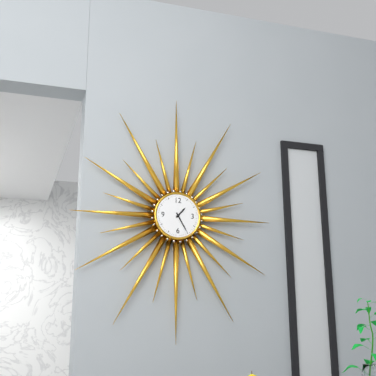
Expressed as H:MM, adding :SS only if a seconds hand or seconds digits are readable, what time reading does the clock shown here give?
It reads 1:25
